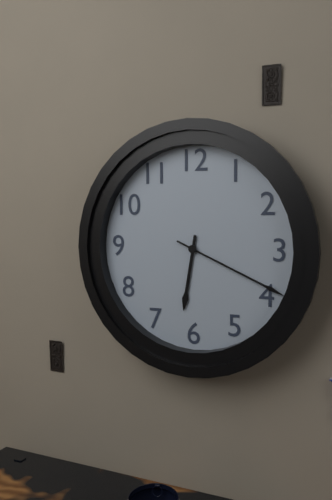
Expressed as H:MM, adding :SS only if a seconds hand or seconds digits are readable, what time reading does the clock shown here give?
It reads 6:19
